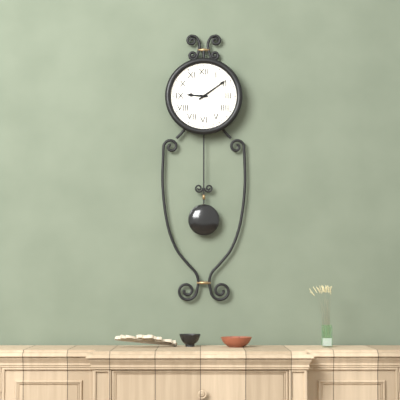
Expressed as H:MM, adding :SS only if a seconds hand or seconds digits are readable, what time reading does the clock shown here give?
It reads 9:09
